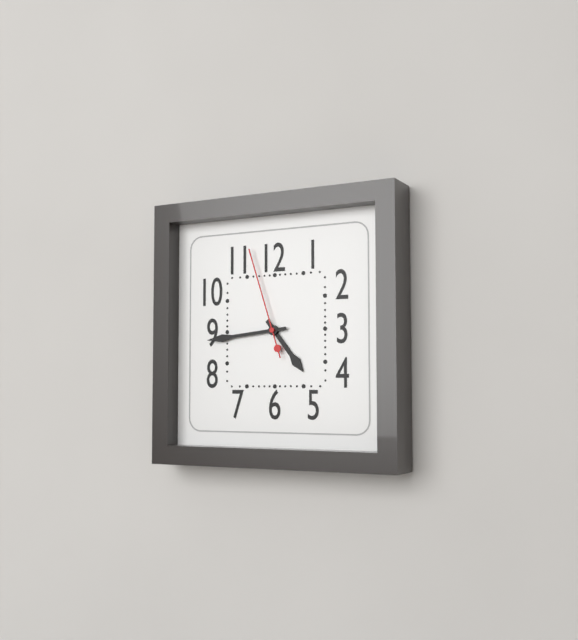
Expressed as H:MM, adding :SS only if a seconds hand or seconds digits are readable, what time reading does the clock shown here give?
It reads 4:44:57
